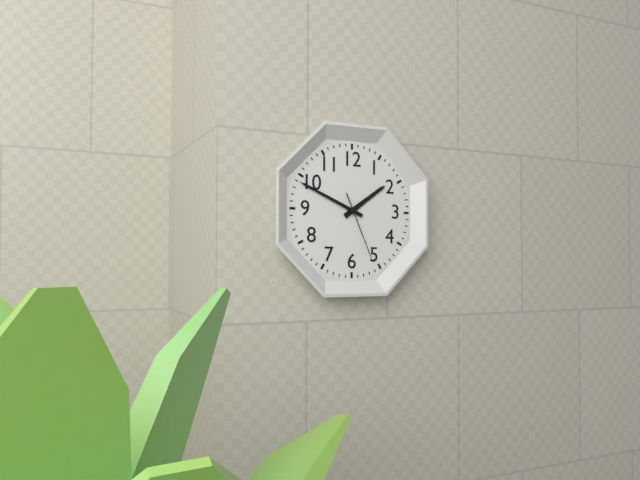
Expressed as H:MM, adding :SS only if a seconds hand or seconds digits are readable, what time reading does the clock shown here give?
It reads 1:49:26
